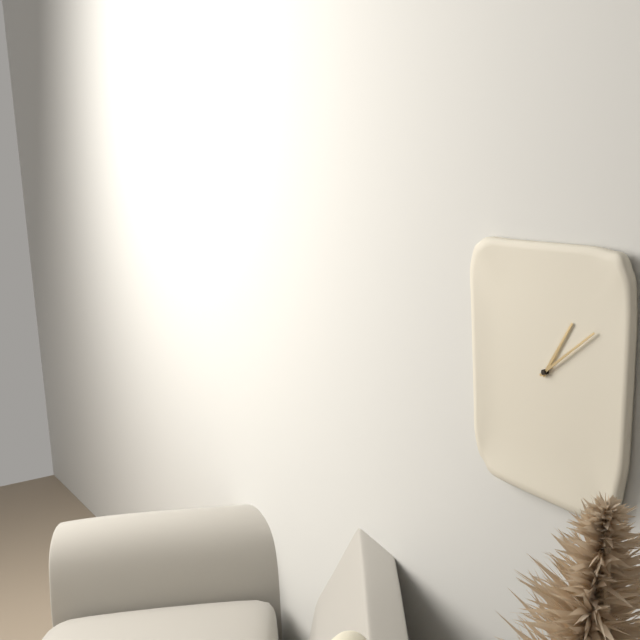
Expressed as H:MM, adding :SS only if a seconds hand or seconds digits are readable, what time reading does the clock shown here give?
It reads 1:09
